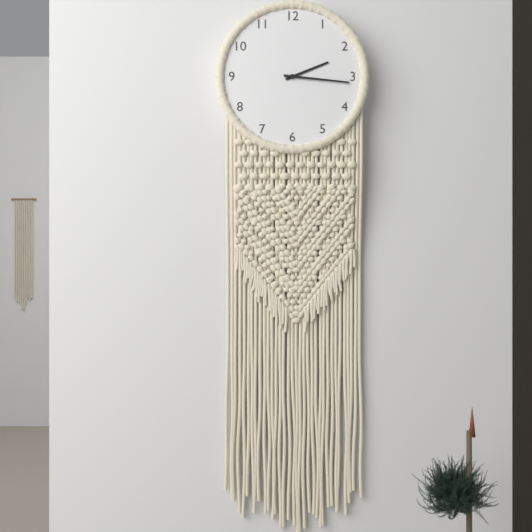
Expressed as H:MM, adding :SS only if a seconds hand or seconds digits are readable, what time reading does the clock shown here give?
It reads 2:16
